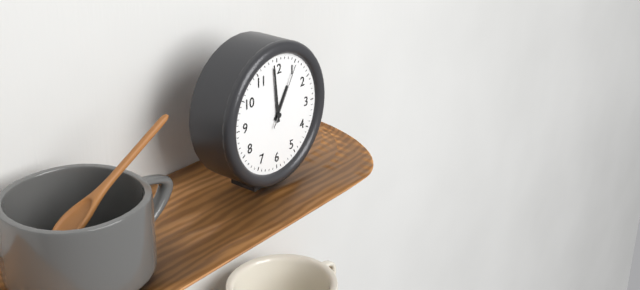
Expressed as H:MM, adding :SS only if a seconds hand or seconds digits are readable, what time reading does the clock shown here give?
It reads 12:59:05
